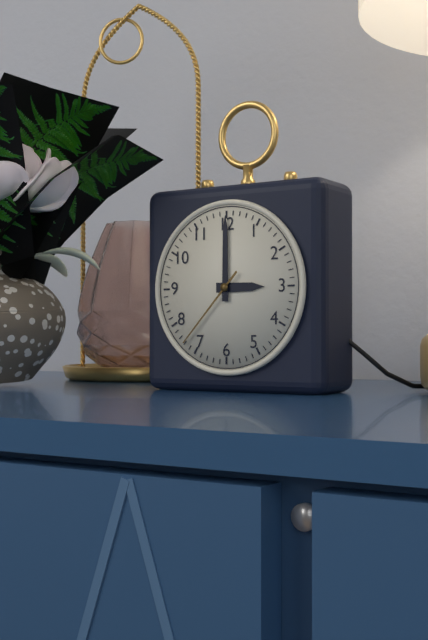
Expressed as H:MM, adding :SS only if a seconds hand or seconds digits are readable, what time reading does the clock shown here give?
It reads 3:00:37
